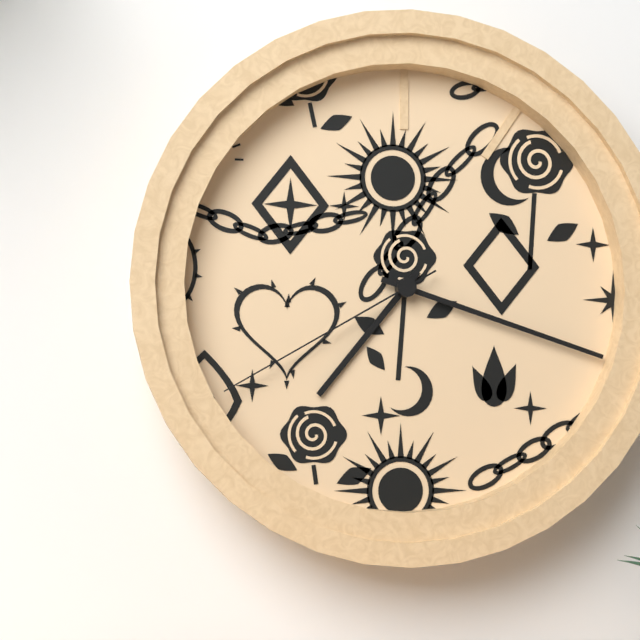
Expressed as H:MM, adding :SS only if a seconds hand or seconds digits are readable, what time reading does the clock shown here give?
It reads 7:18:40
